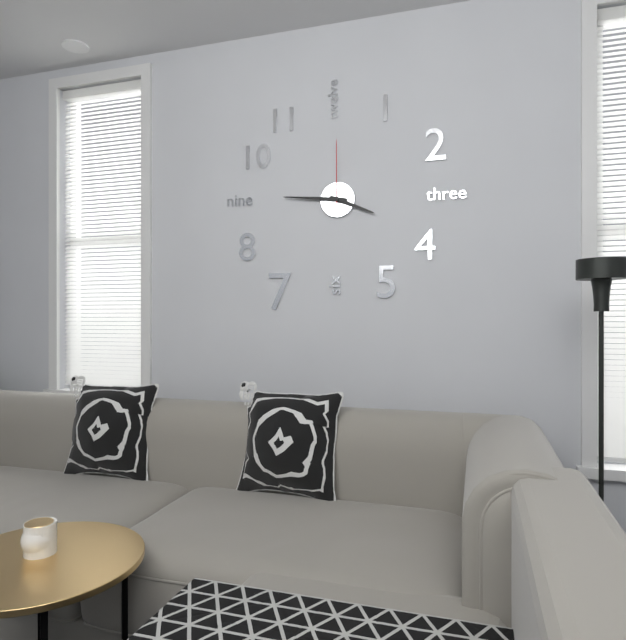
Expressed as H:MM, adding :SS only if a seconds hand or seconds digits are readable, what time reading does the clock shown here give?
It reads 3:46:00
